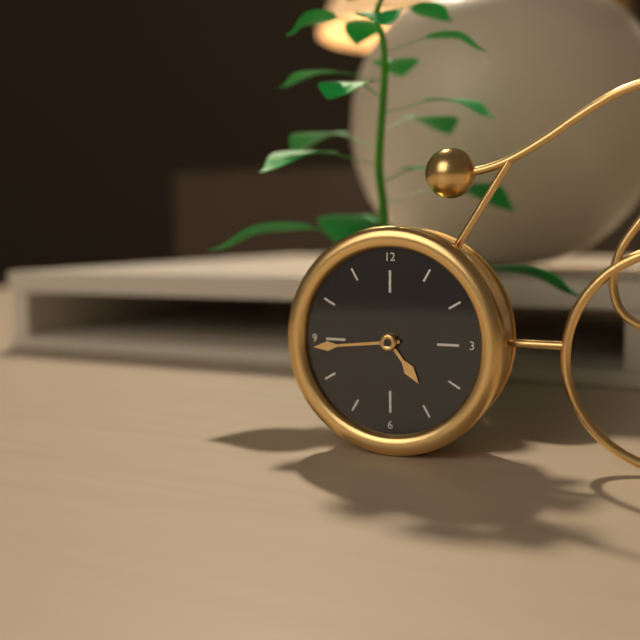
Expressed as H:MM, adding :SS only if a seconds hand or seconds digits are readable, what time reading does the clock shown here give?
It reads 4:44
